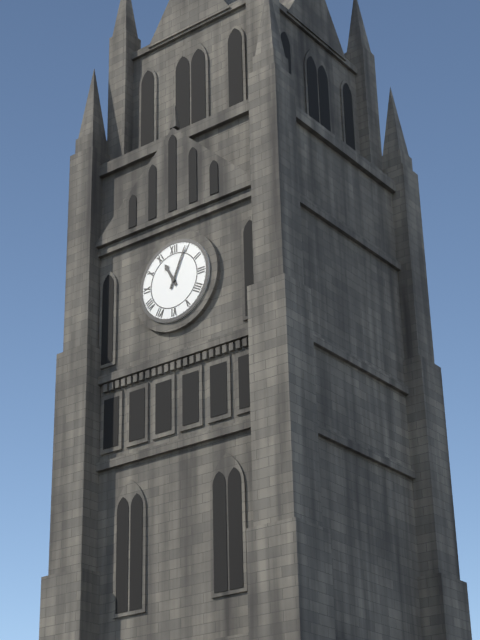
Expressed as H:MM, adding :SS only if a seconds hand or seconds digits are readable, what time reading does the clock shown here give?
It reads 11:04
